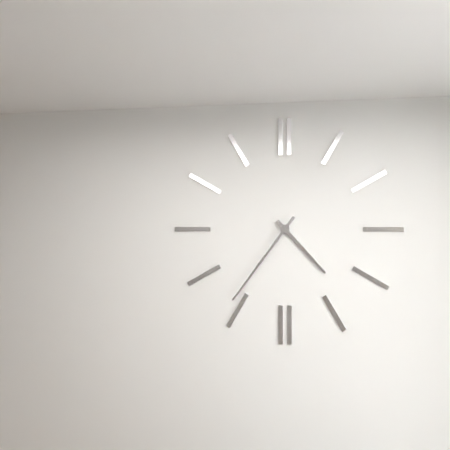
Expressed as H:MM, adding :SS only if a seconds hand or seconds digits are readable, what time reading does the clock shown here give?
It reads 4:36
